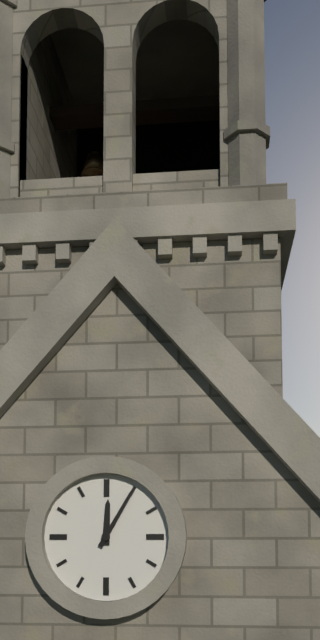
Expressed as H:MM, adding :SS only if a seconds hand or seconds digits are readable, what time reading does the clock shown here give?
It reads 12:05
